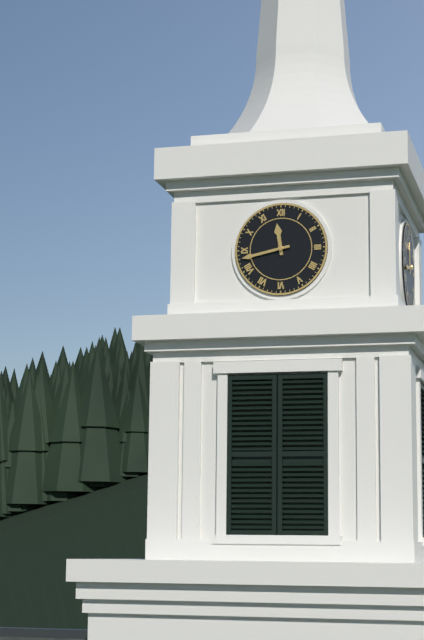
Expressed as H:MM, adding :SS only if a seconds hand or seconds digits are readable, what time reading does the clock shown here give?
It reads 11:43
